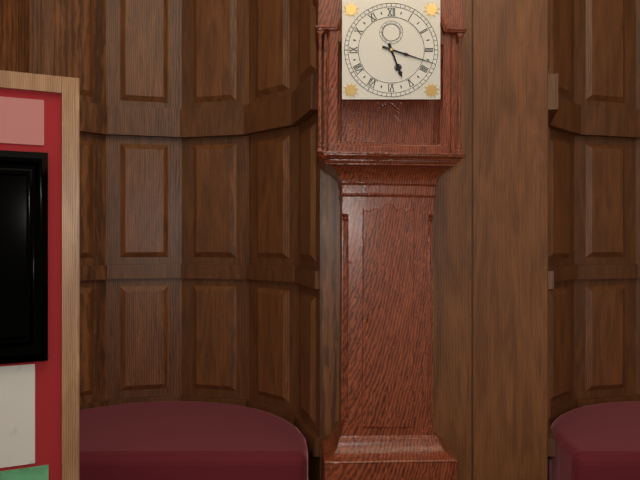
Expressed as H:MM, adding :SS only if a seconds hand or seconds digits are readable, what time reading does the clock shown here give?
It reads 5:18
